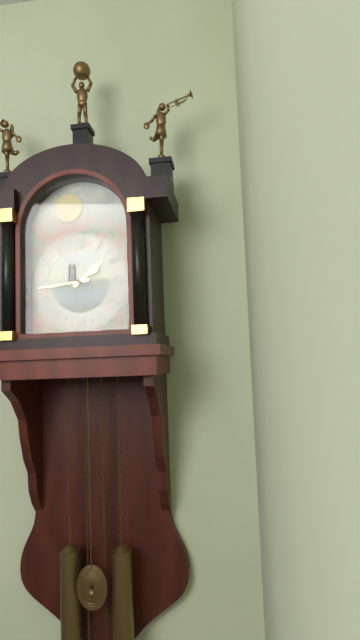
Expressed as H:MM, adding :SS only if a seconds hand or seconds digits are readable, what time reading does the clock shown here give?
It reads 1:44
